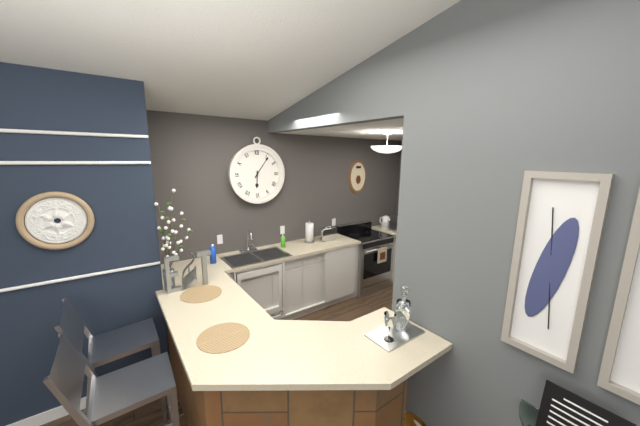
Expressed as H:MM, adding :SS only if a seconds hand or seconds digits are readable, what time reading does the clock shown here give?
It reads 6:06
